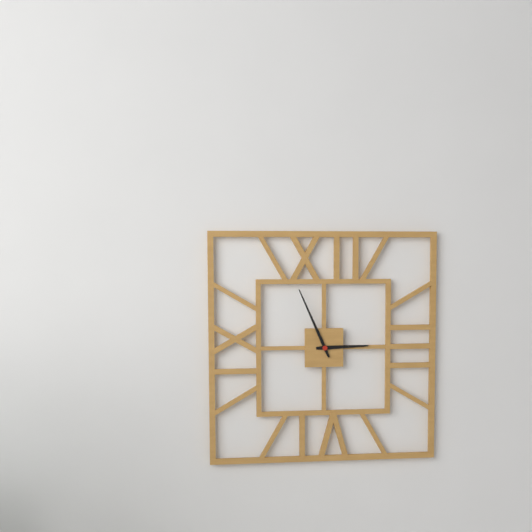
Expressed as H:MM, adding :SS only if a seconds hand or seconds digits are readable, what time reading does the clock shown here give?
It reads 2:56
